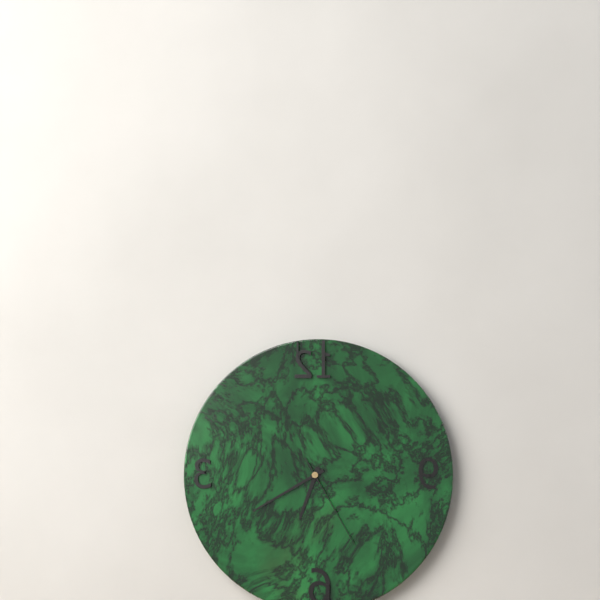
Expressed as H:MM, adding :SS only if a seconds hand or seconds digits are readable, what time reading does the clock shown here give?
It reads 6:40:25
